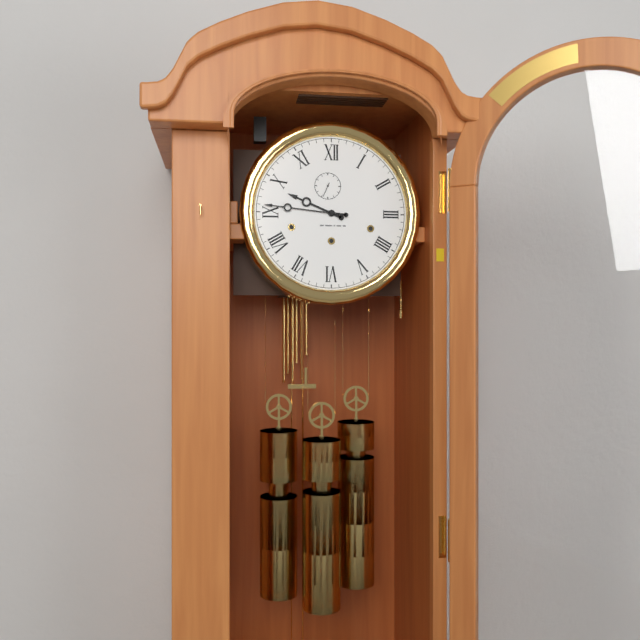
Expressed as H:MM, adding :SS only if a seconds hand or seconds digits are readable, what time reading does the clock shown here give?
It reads 9:46
